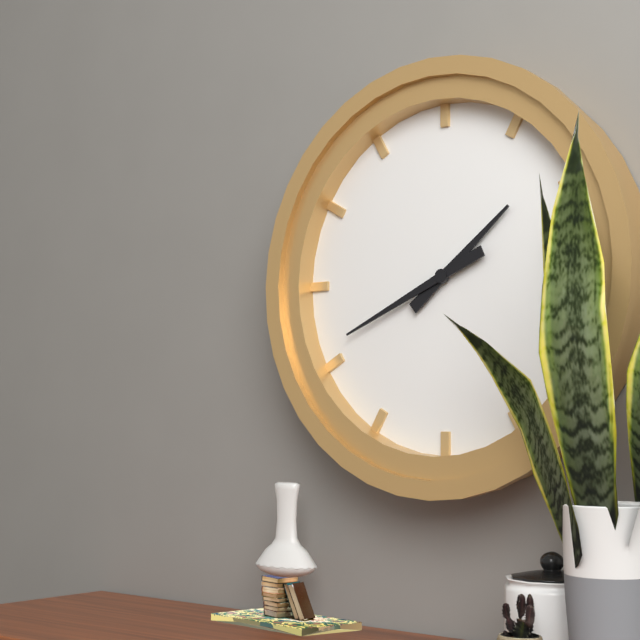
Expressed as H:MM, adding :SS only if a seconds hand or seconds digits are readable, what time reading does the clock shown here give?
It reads 1:41
